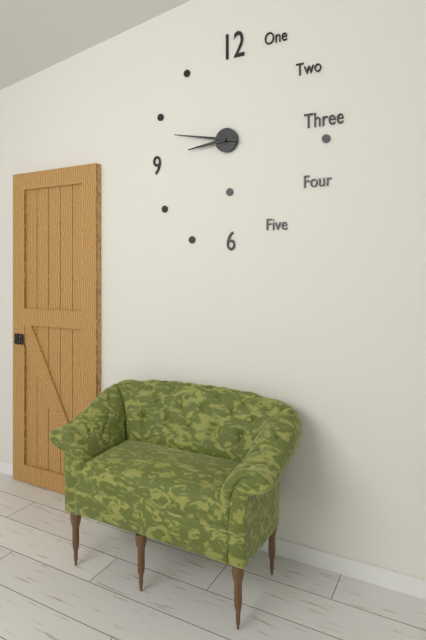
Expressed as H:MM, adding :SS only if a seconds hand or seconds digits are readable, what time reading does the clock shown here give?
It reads 8:47
